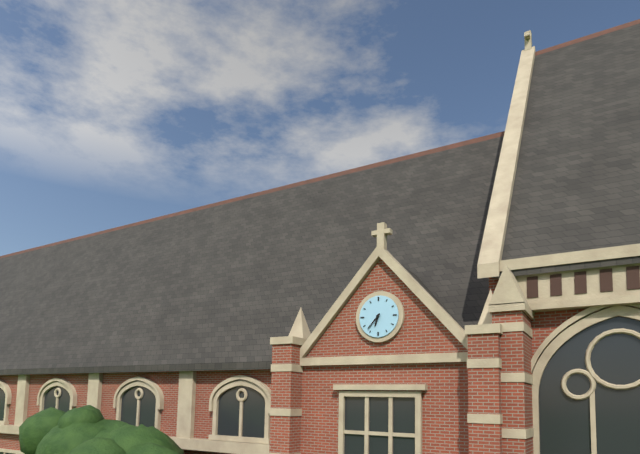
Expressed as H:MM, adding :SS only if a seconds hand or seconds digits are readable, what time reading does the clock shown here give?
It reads 6:37
